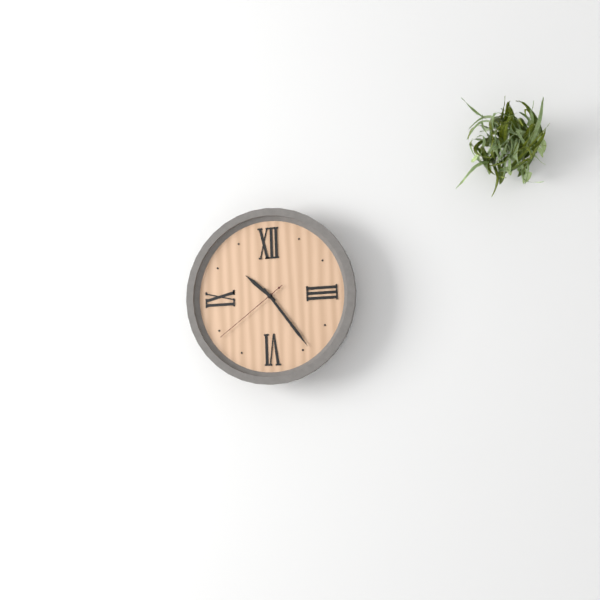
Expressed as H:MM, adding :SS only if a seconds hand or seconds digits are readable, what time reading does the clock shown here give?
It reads 10:24:39
